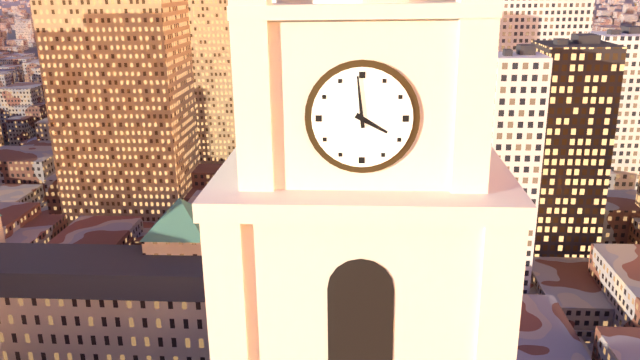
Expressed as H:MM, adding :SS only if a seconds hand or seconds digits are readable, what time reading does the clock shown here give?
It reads 3:59
